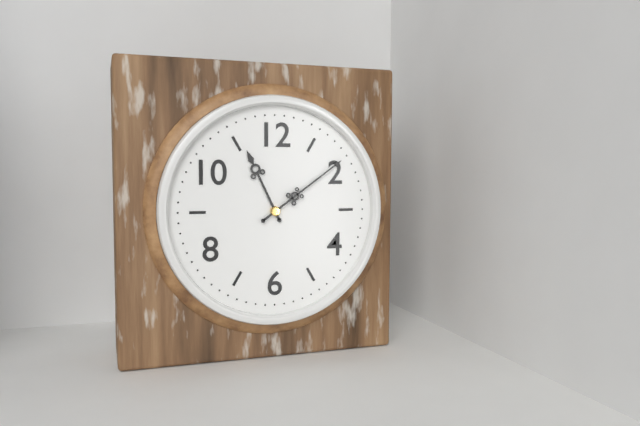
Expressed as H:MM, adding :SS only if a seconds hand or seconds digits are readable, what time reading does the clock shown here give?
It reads 11:09
